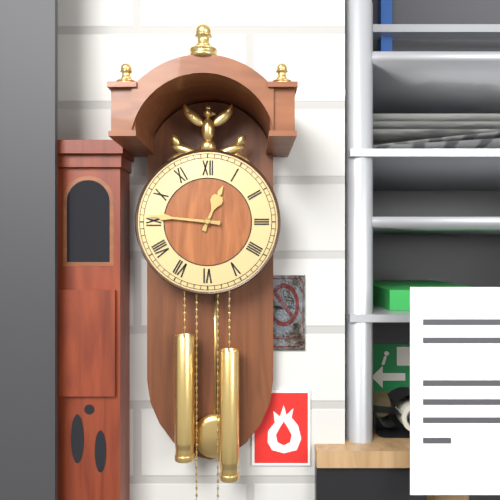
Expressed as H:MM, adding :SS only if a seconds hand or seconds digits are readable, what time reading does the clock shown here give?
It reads 12:46
